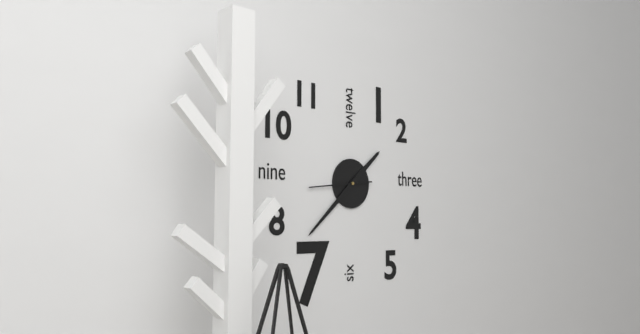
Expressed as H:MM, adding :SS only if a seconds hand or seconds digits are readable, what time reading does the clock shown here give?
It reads 1:38:44
